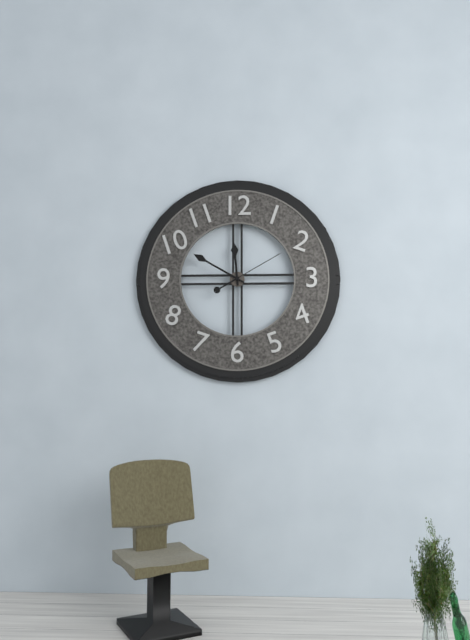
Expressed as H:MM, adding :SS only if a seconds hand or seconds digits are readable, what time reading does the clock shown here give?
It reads 11:50:10
